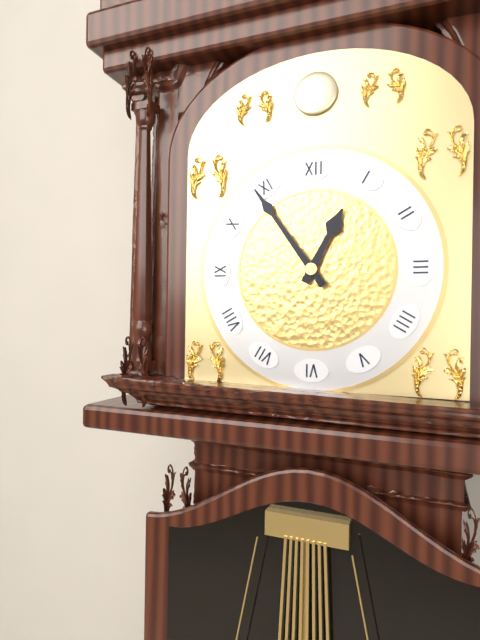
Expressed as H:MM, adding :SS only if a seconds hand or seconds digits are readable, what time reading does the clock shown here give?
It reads 12:54
